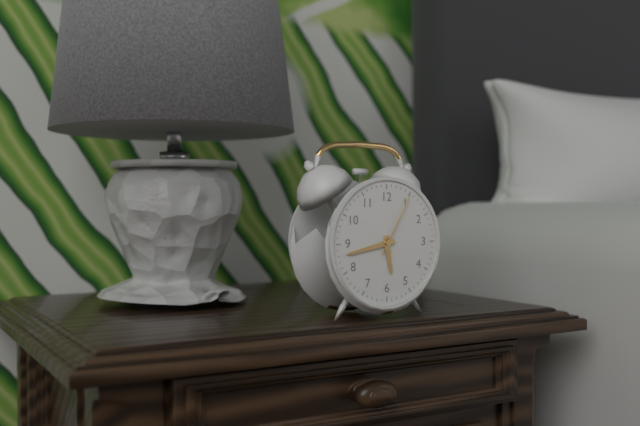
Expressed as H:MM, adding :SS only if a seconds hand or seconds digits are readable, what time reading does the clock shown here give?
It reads 5:43:05
